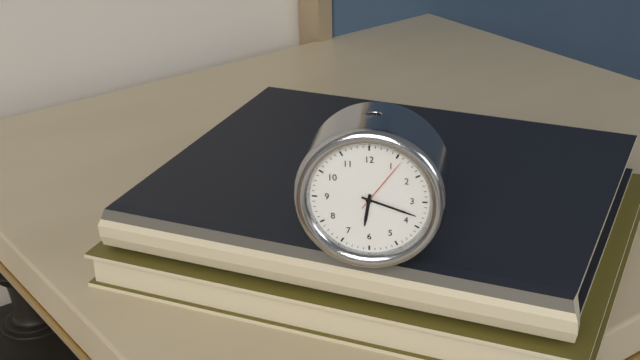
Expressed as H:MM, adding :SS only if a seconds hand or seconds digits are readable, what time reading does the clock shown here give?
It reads 6:18:06
